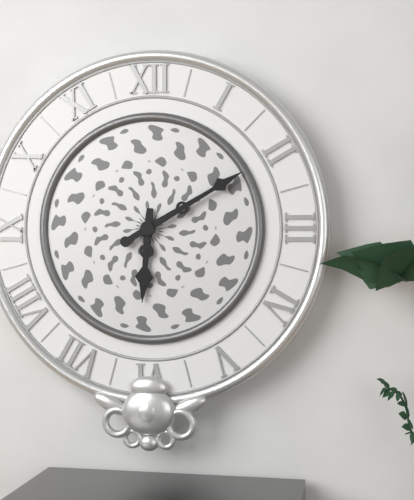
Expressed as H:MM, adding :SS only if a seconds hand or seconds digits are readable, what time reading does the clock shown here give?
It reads 6:10
